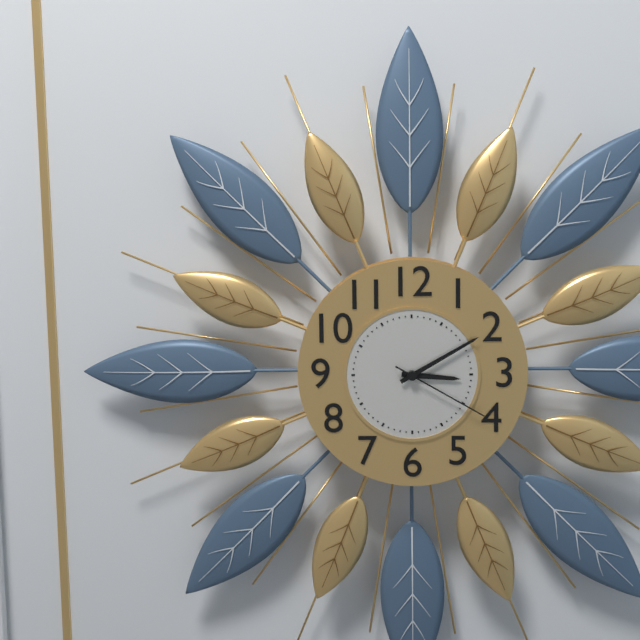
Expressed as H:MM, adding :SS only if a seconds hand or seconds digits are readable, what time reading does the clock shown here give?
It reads 3:10:20
